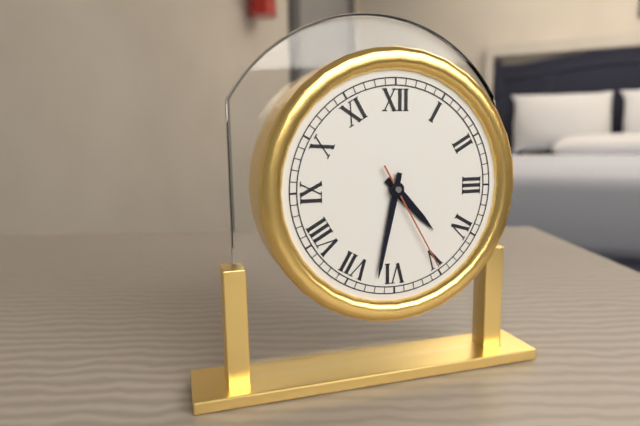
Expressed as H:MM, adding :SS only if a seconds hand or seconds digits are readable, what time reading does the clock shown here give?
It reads 4:32:25
